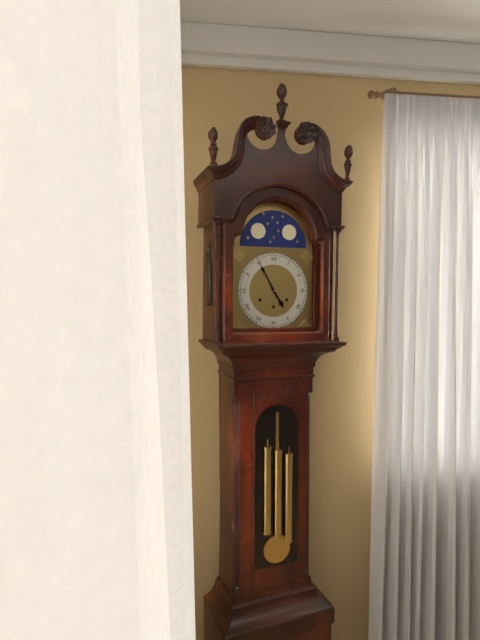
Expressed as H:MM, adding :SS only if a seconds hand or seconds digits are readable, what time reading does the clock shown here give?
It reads 4:55
